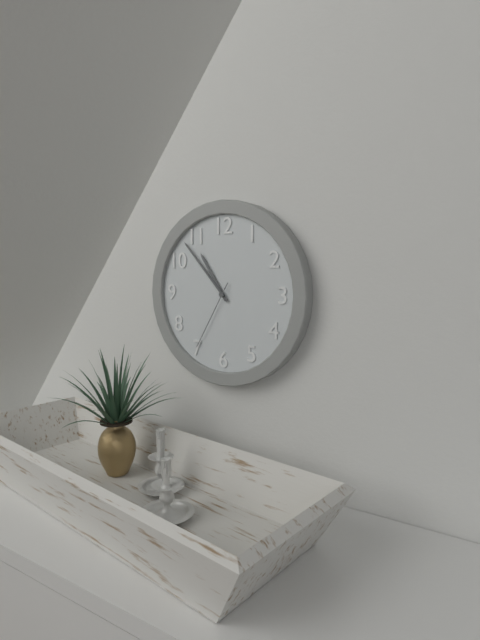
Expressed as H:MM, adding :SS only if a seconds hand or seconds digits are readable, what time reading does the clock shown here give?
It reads 10:53:35
